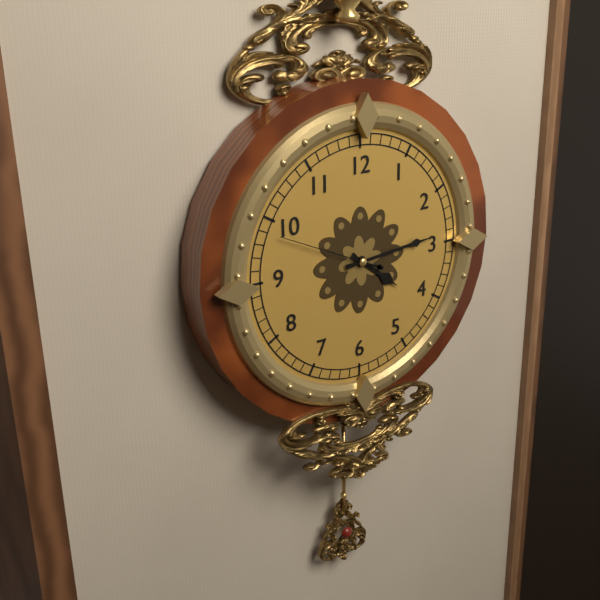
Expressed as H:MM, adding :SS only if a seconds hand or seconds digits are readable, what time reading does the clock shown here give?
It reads 4:14:49
